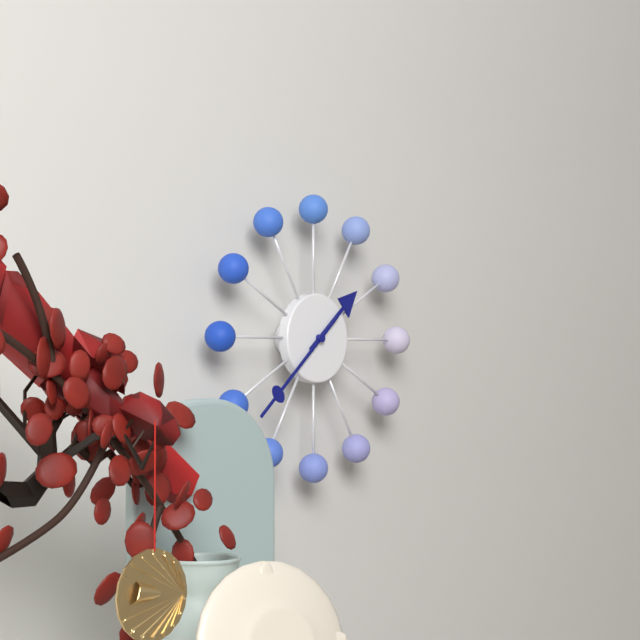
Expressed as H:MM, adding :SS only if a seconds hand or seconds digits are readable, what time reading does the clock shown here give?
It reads 1:38
